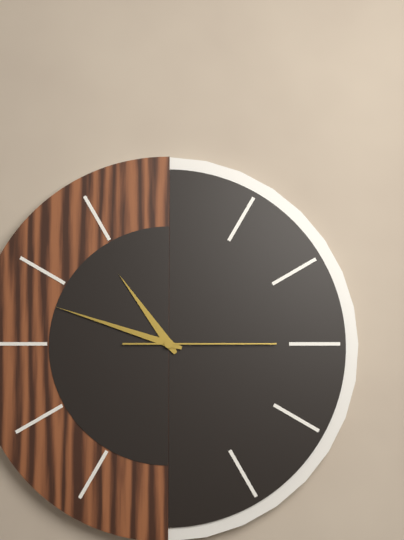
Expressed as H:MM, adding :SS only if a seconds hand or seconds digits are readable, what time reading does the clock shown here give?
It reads 10:48:15
